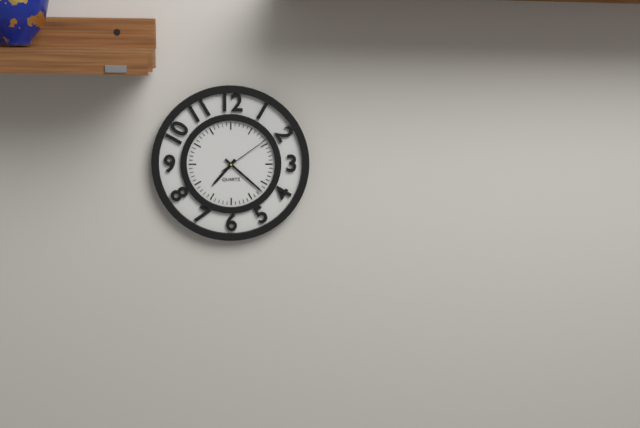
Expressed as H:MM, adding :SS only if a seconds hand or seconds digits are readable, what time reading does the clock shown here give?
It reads 7:22:09
